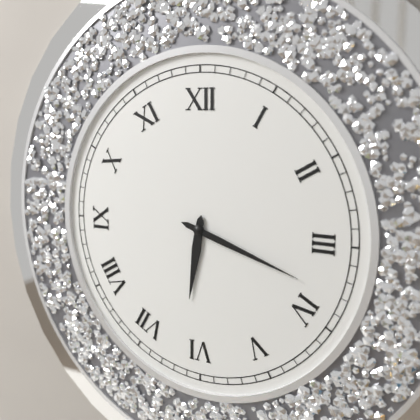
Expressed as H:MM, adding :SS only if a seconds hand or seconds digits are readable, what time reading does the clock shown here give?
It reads 6:18
